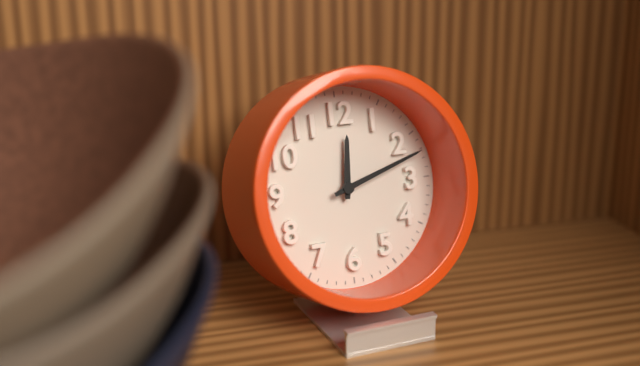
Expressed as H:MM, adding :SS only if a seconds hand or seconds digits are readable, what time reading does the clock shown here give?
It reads 12:12
